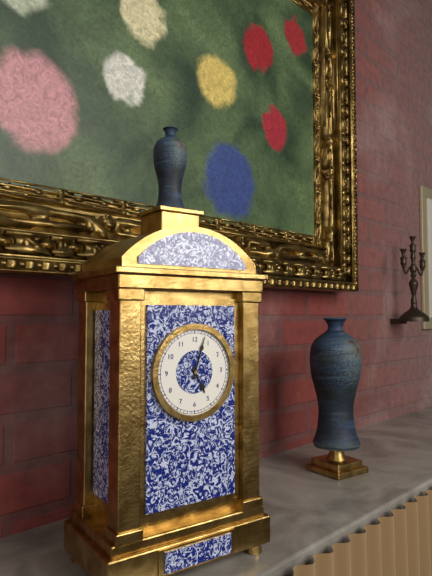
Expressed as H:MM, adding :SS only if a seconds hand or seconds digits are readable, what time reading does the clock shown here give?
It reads 5:03
